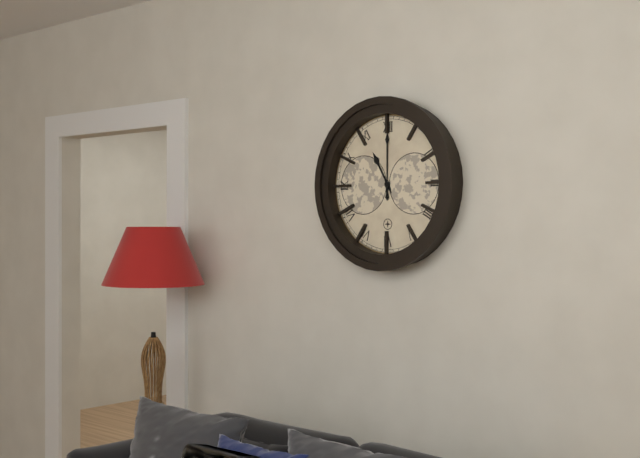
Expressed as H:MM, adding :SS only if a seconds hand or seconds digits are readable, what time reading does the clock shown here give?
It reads 11:00
